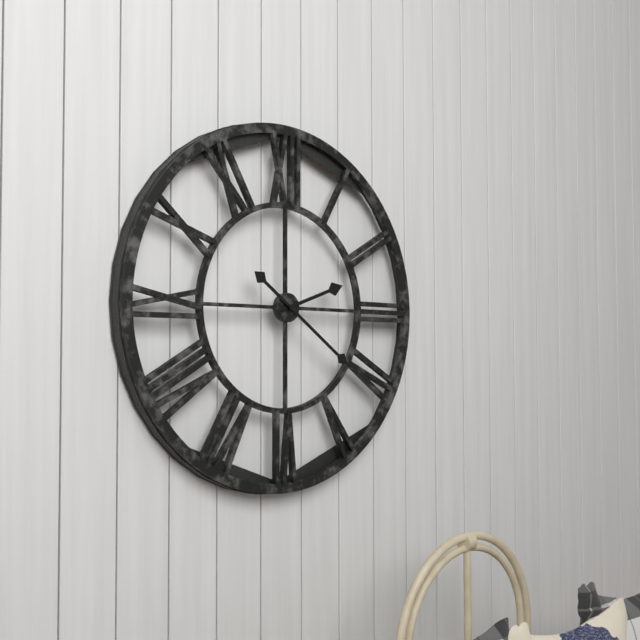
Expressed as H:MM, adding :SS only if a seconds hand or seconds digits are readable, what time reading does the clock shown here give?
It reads 2:21
